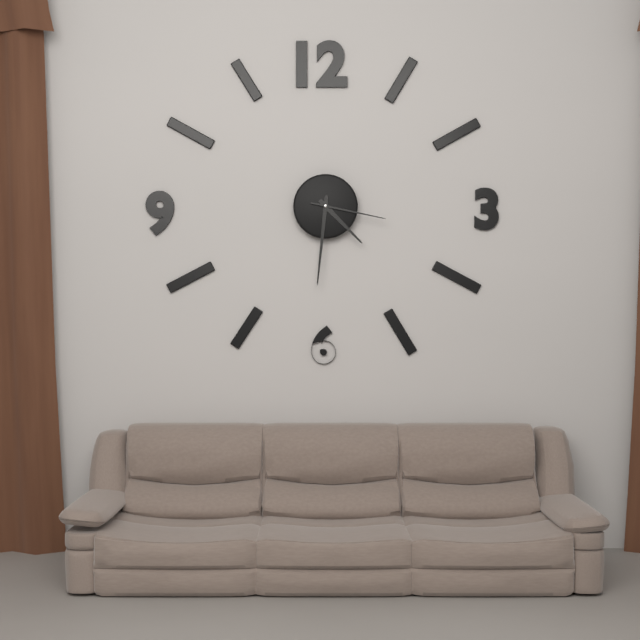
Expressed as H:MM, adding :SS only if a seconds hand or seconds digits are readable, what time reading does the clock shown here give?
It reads 4:31:17
